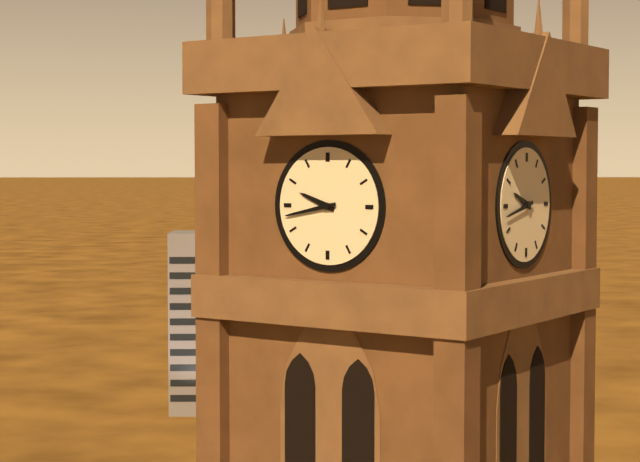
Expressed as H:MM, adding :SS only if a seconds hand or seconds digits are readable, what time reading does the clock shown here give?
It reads 9:43
